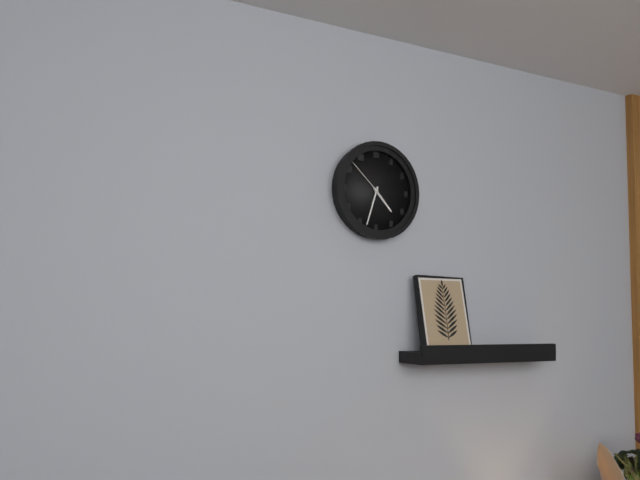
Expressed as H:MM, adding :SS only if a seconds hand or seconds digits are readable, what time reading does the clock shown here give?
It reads 4:33:52
